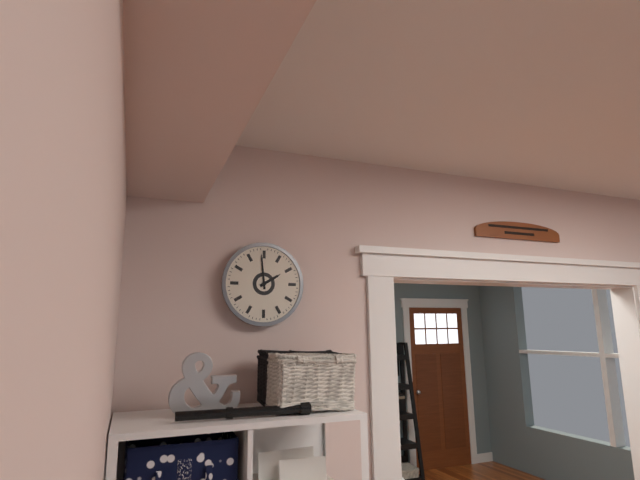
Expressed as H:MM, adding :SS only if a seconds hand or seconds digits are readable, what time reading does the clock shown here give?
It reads 1:59
